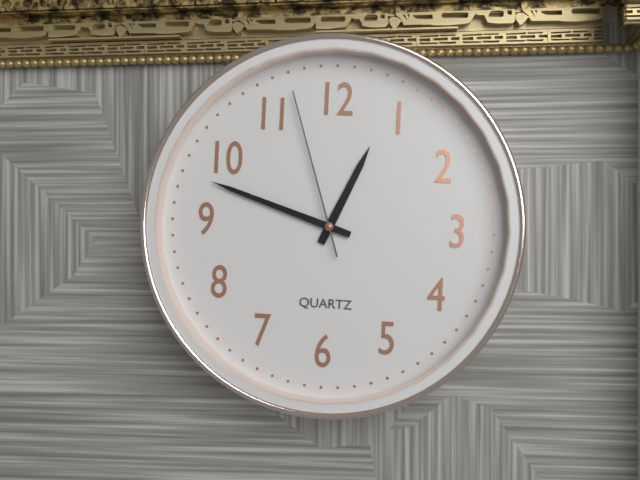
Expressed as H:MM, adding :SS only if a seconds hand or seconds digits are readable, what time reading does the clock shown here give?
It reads 12:48:57
